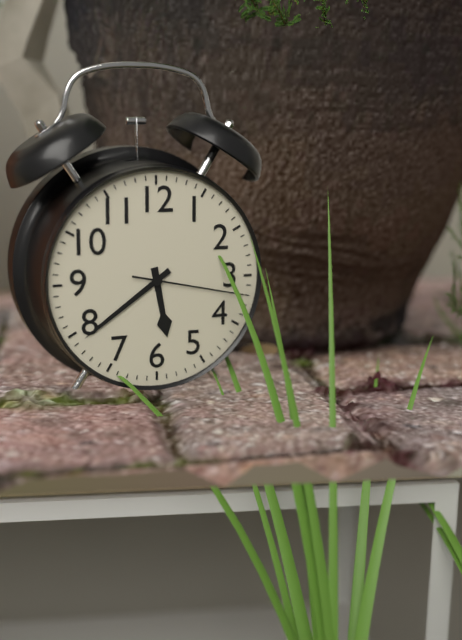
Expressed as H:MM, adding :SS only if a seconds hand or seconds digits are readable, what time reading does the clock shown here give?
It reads 5:39:17
